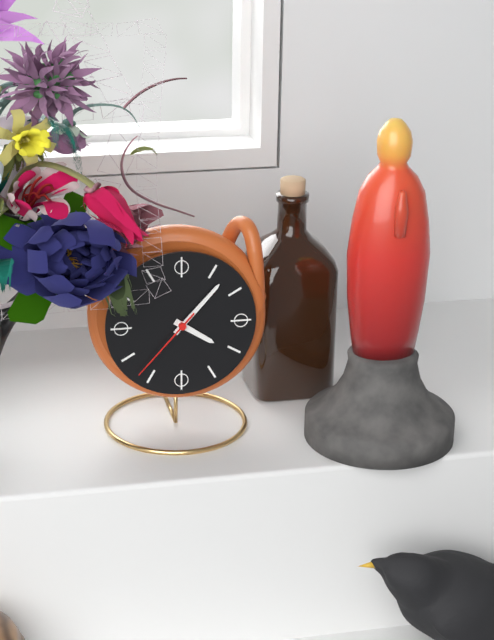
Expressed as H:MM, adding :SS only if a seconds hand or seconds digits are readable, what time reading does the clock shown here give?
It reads 4:07:37
